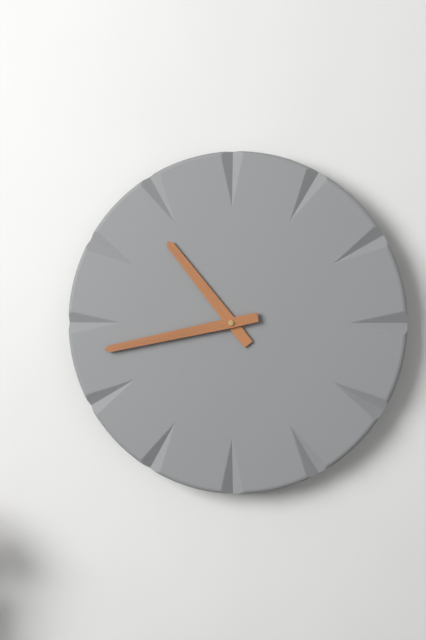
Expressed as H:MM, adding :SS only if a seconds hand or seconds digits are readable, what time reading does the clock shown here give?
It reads 10:43
